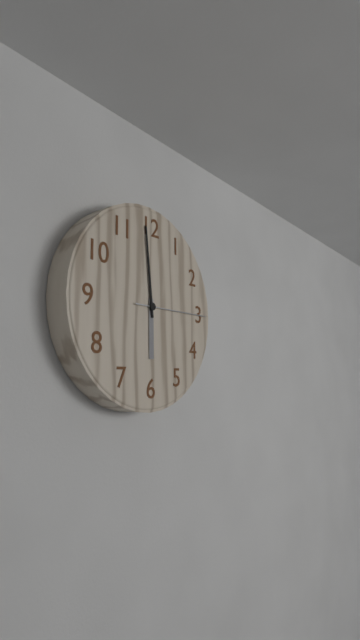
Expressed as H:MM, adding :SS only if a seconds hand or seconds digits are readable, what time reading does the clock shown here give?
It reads 5:59:15
